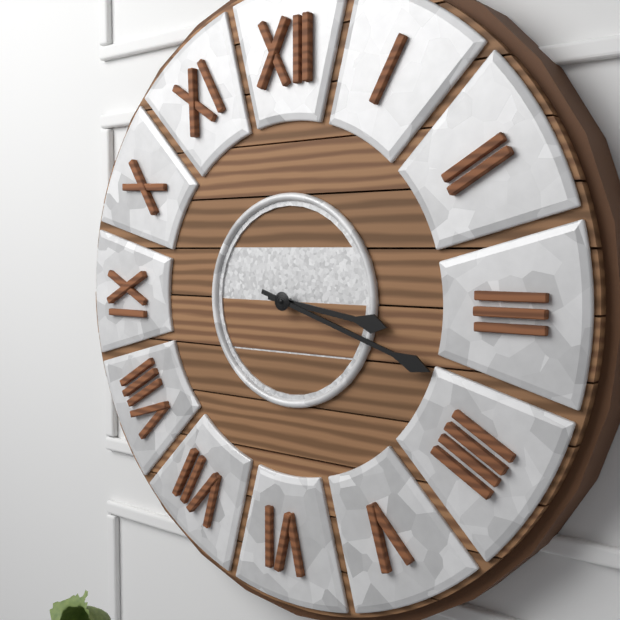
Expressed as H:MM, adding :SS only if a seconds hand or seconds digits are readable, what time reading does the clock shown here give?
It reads 3:18
